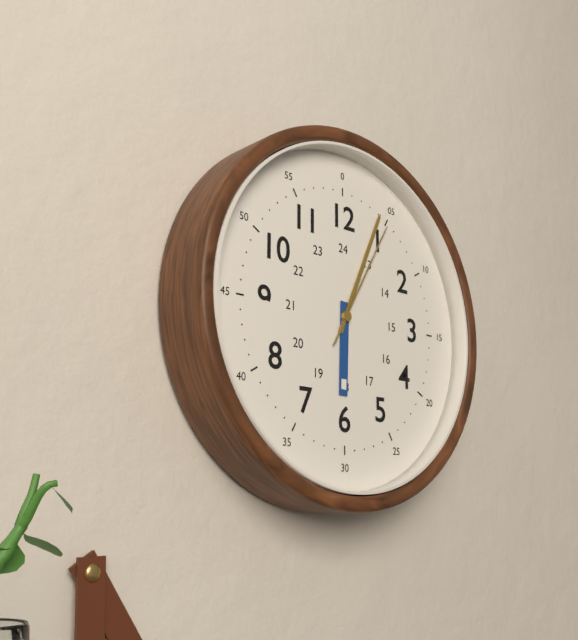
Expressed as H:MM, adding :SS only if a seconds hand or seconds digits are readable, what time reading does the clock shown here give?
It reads 6:04:05
